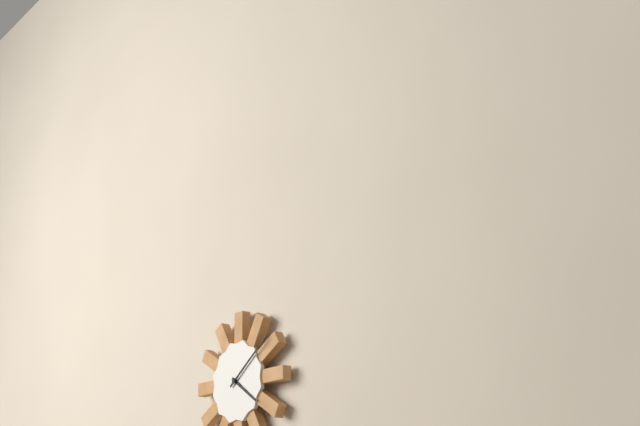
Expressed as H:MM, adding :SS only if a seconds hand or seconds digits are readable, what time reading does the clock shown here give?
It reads 4:09
